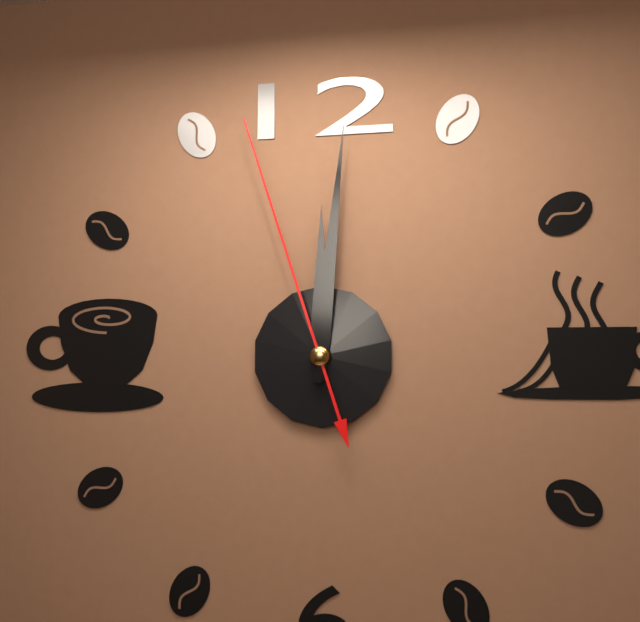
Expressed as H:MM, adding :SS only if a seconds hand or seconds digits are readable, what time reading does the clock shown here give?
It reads 12:01:57
